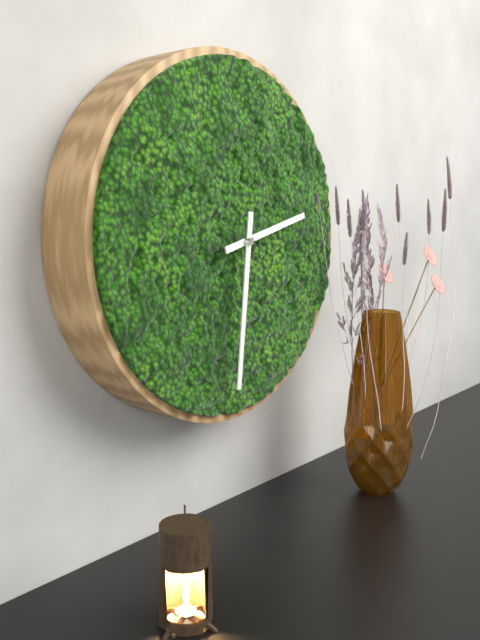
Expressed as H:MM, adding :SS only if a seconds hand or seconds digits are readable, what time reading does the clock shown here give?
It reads 2:31
